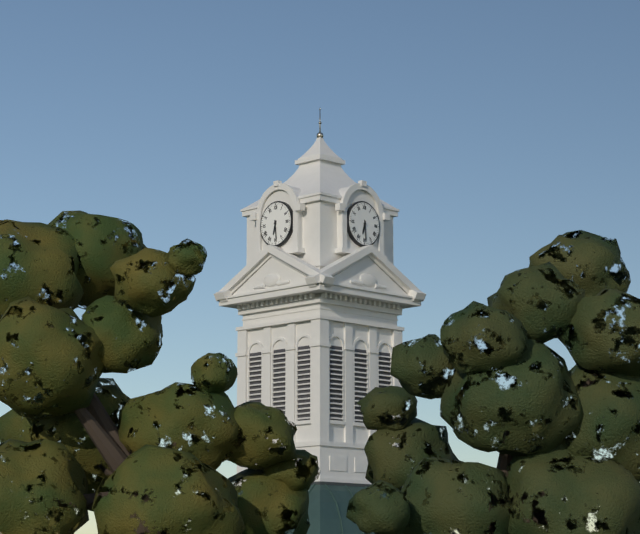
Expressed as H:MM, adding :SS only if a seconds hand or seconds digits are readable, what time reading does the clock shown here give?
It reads 6:29
